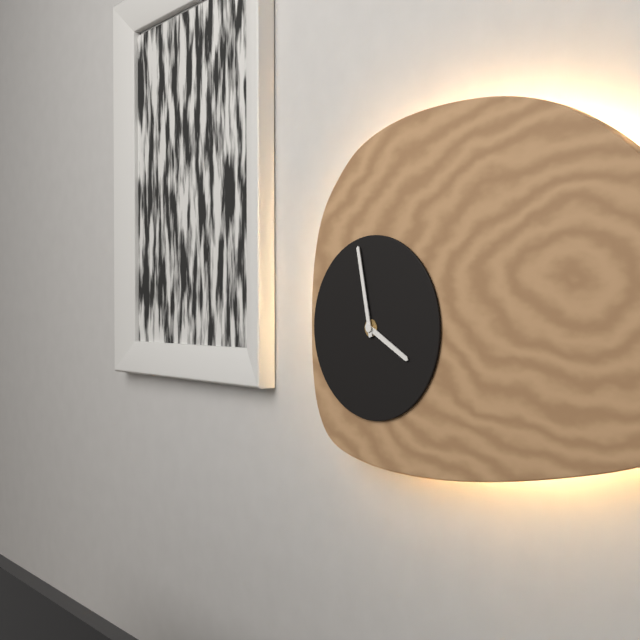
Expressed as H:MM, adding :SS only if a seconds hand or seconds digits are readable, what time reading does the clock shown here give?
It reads 3:58
